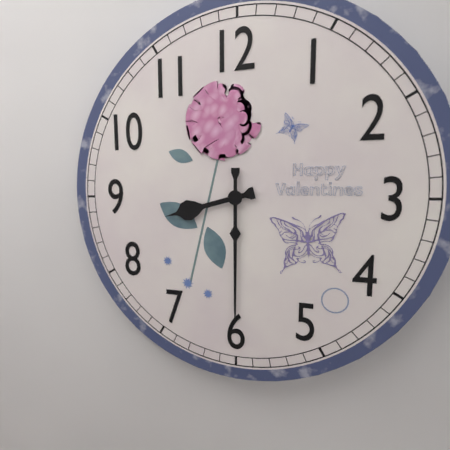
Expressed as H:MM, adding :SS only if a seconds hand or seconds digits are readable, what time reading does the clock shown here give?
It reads 8:30
